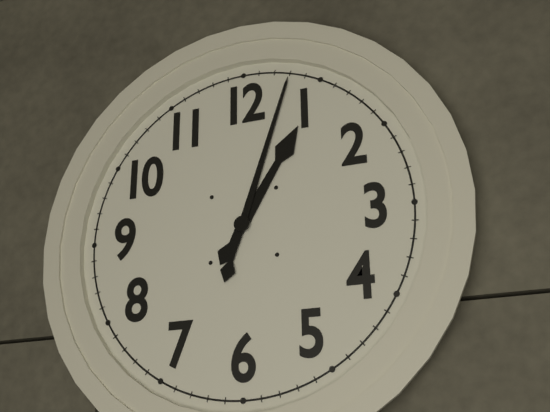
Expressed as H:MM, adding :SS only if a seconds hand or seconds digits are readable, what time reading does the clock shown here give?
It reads 1:03
